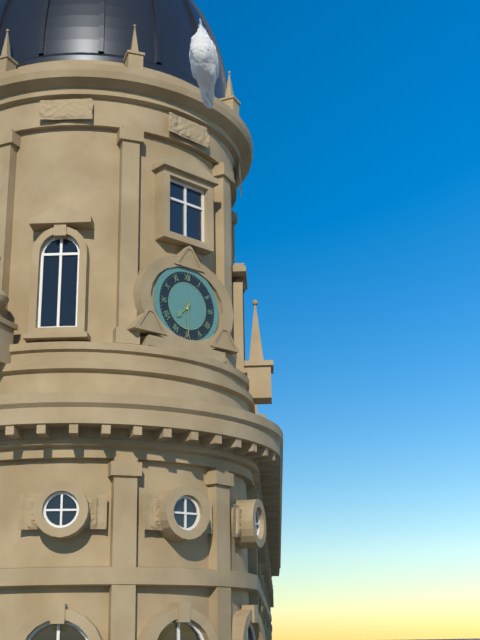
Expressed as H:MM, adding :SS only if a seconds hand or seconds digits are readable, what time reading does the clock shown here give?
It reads 7:30
